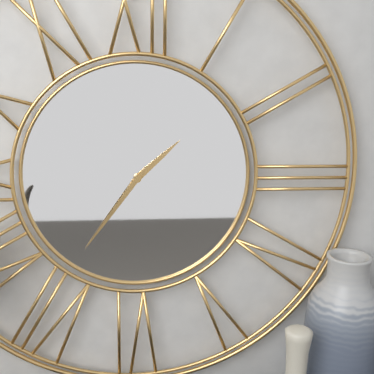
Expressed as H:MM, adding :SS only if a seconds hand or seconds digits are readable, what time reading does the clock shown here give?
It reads 1:36
